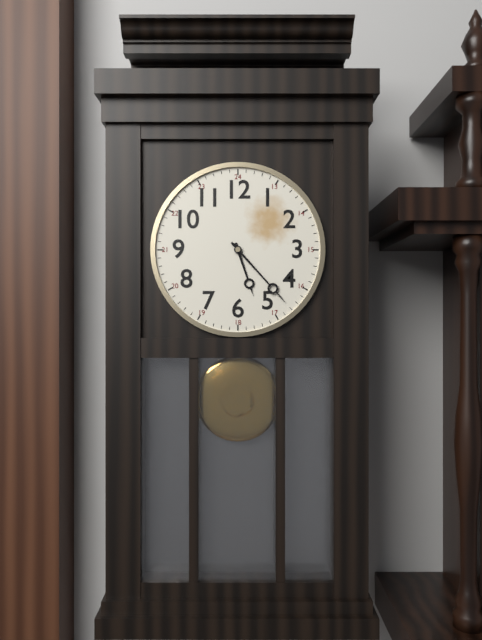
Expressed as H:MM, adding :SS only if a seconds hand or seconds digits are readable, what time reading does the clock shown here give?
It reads 5:23
